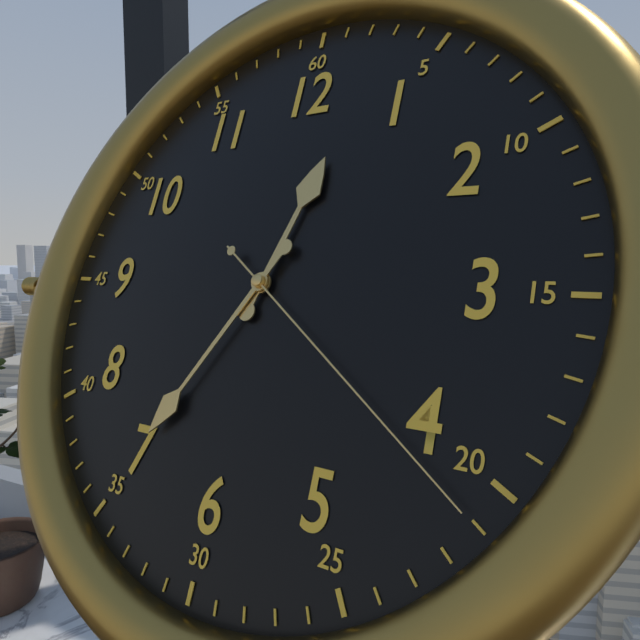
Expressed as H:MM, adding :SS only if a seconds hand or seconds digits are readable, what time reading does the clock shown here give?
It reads 12:35:21
